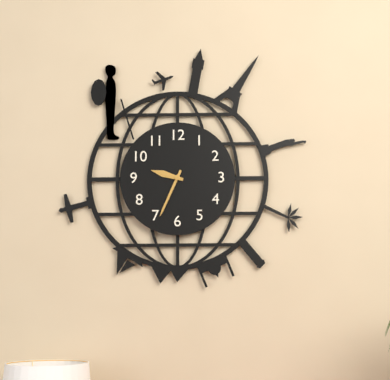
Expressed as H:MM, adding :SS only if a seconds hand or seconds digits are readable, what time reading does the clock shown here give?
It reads 9:34
